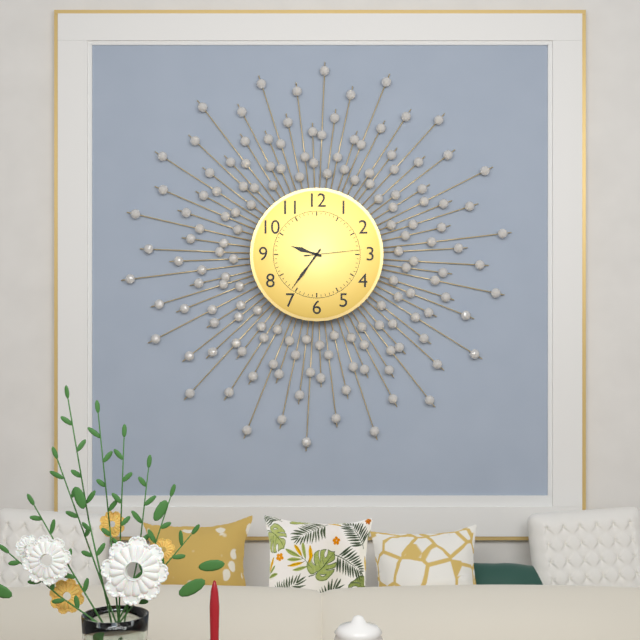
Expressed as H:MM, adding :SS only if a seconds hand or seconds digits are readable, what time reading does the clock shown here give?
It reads 9:36:14
